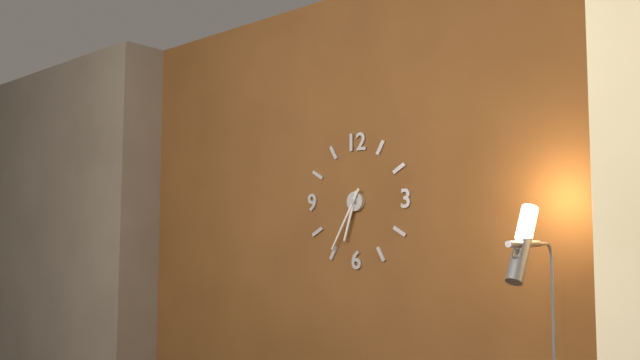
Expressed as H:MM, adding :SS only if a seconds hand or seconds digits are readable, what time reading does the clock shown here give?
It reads 6:35
